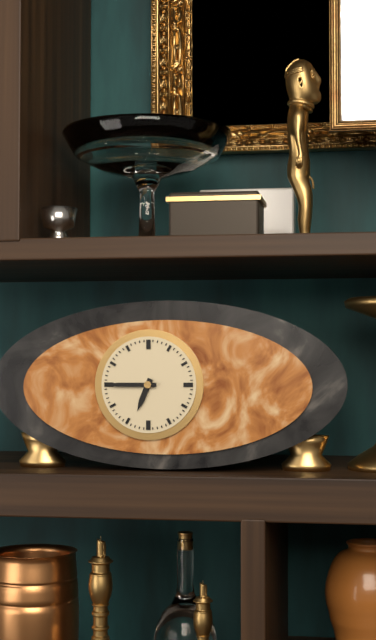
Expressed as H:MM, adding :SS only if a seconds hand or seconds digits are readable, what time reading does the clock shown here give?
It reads 6:45
